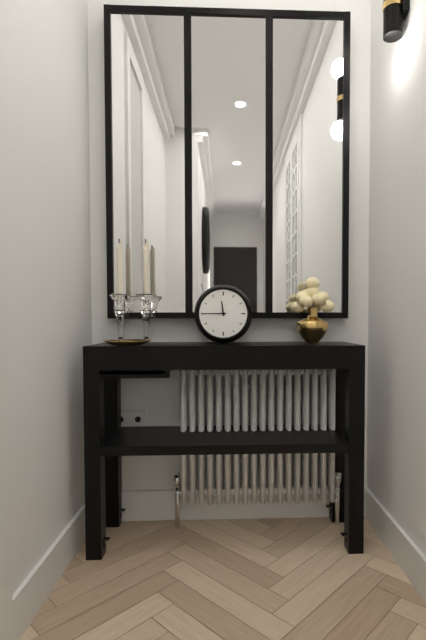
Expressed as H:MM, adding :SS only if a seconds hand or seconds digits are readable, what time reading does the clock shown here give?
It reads 11:45
